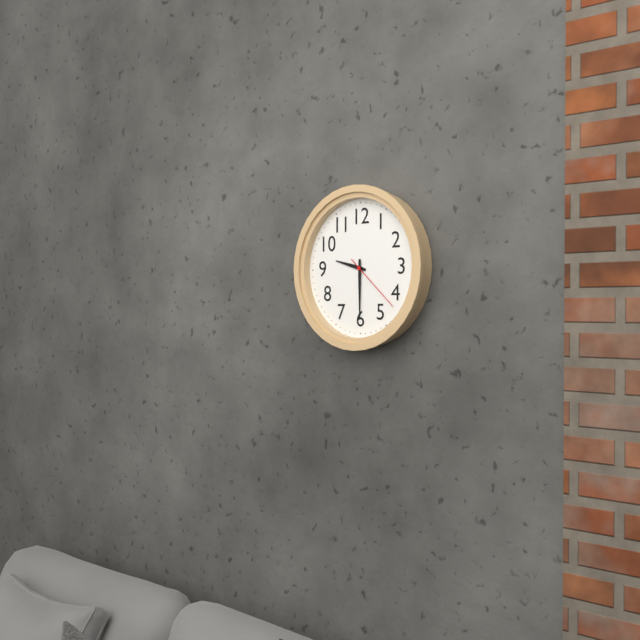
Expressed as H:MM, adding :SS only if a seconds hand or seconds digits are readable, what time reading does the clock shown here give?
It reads 9:30:22
